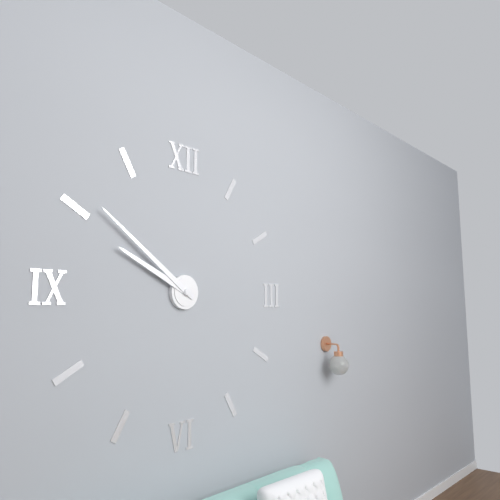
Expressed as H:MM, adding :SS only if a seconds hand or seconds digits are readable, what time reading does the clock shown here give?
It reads 9:51
